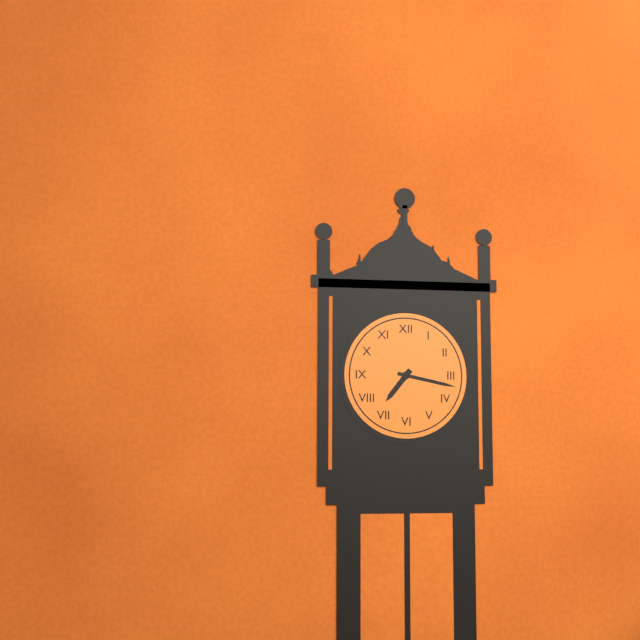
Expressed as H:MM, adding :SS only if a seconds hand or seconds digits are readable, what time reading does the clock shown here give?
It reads 7:17
